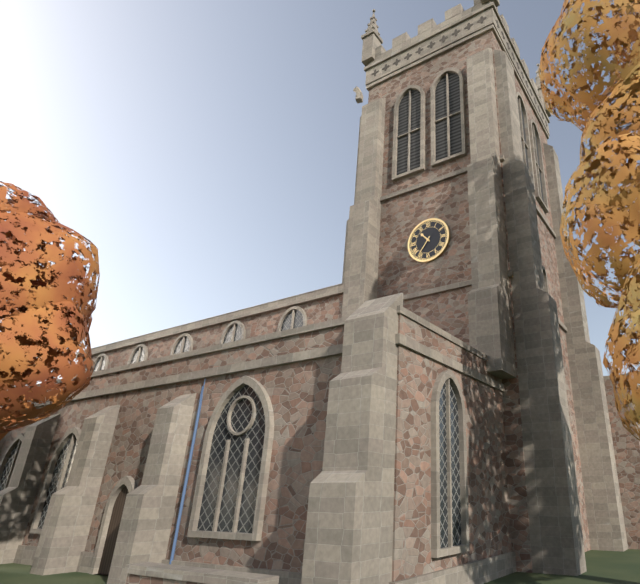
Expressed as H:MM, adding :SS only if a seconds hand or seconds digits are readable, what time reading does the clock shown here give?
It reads 10:36
